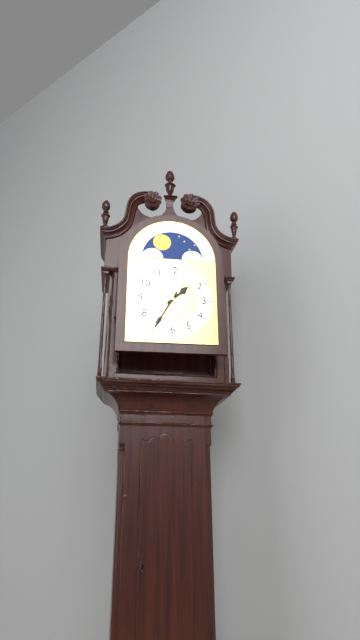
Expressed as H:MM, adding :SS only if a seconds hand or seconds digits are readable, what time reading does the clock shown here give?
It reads 1:35
